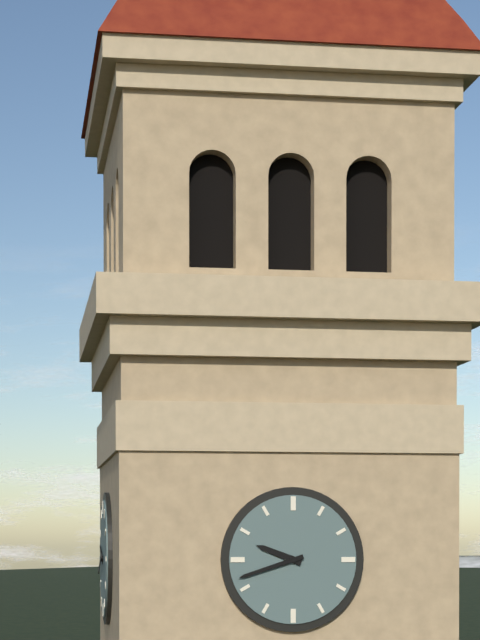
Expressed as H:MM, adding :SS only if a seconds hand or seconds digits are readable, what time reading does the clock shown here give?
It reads 9:42
